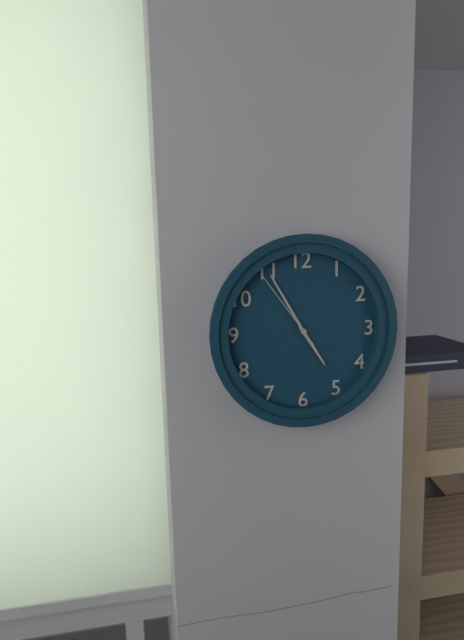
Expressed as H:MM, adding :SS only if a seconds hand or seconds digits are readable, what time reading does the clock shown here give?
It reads 4:55:54
